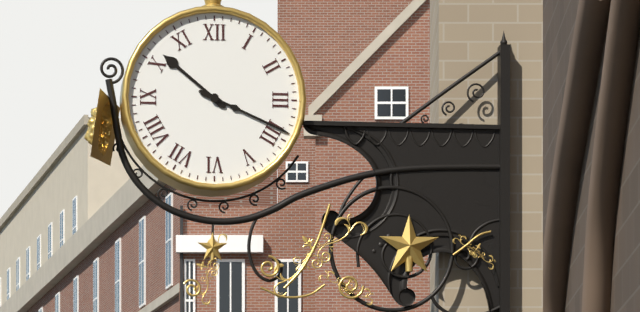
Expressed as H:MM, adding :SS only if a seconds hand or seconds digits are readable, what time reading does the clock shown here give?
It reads 10:19
